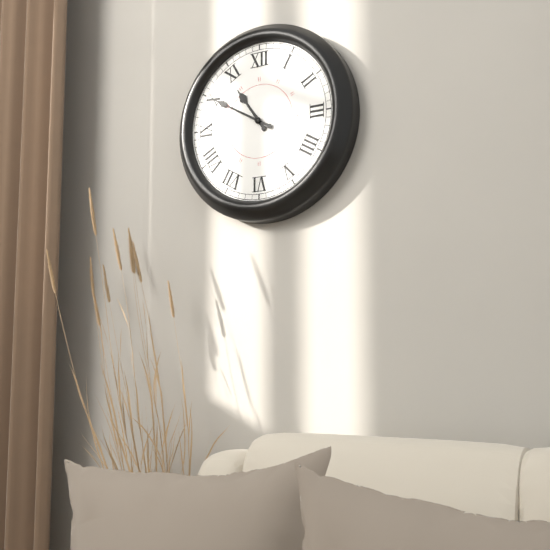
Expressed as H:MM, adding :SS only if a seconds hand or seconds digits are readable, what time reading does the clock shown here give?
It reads 10:50
